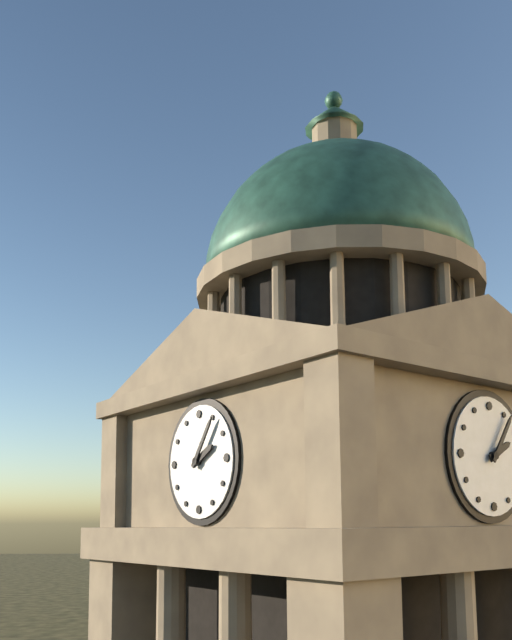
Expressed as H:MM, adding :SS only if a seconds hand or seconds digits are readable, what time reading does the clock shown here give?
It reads 2:06
